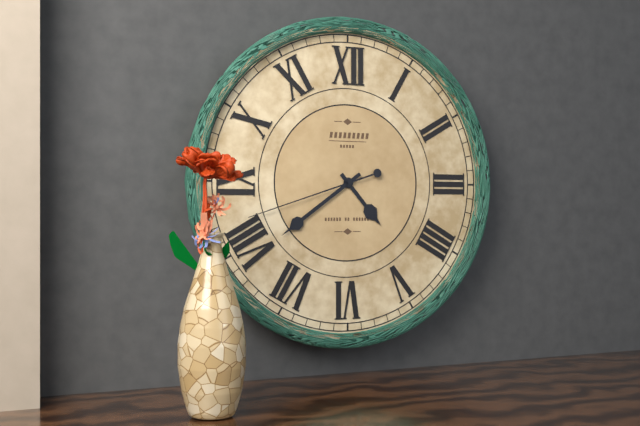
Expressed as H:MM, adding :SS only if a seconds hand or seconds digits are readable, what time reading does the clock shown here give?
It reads 4:39:42
